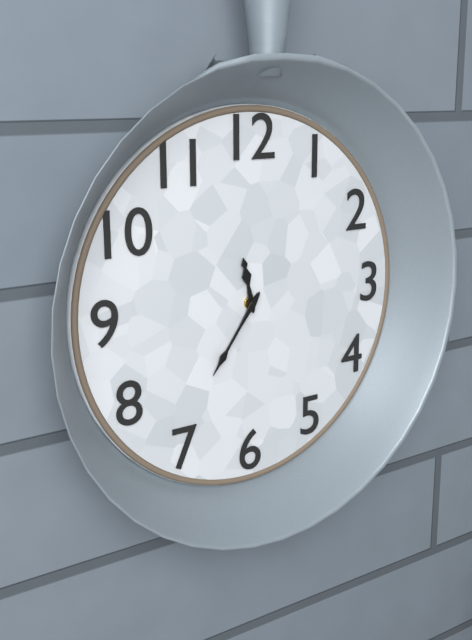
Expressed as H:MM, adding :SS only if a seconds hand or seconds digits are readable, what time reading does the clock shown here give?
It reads 11:36
